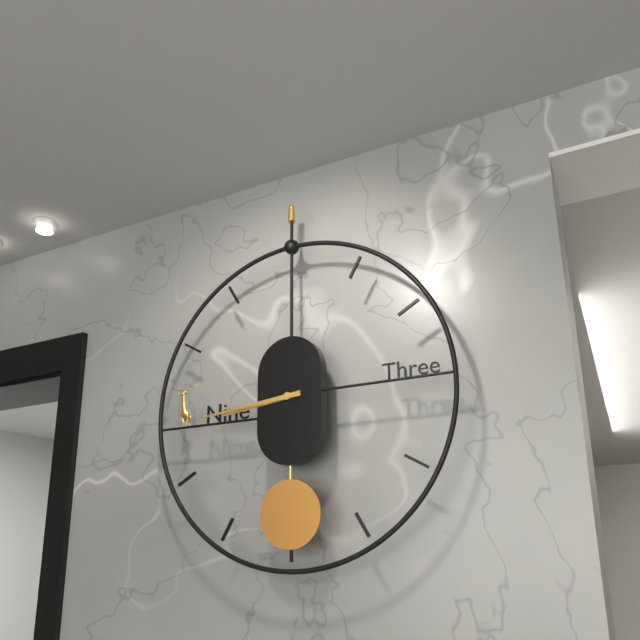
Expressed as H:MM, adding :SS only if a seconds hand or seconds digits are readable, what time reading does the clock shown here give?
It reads 8:44
